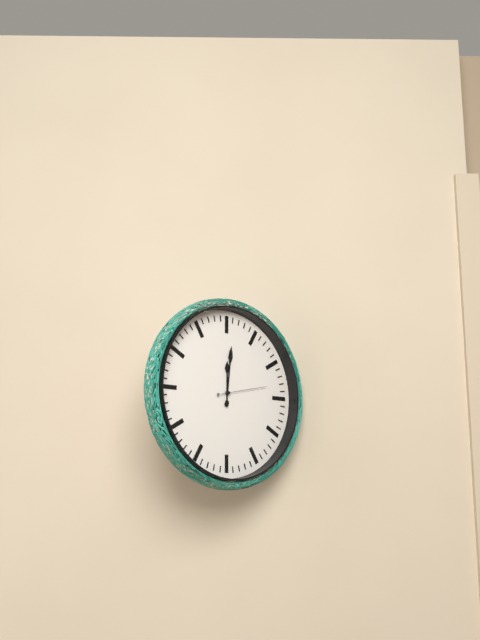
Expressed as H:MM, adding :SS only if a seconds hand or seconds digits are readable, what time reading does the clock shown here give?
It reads 12:01:13
